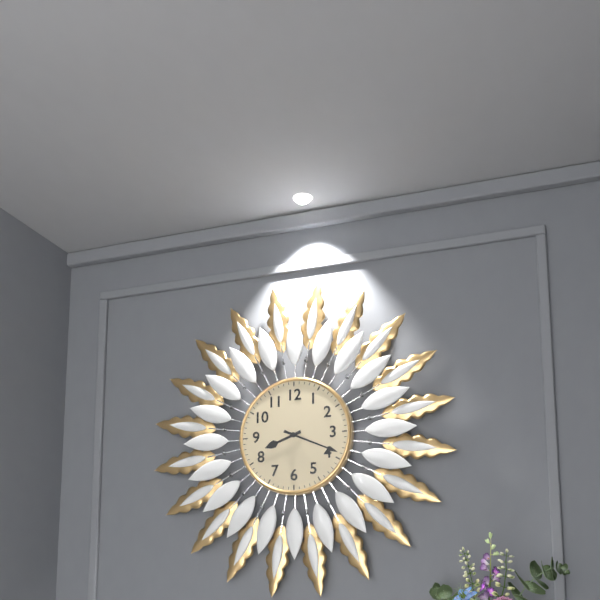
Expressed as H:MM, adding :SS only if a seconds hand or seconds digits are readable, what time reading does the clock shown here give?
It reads 8:19
